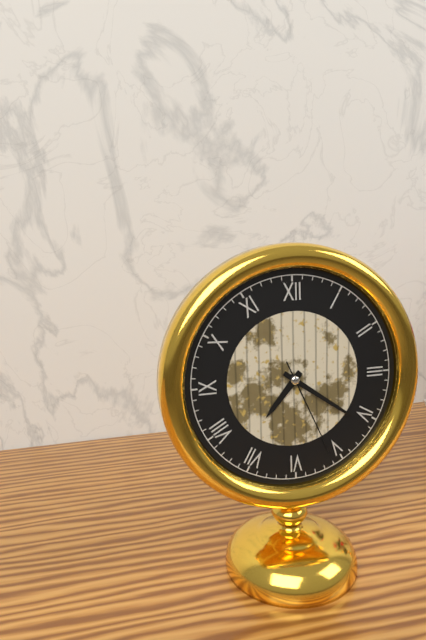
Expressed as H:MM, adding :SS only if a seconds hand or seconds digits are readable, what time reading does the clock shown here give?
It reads 7:21:26
